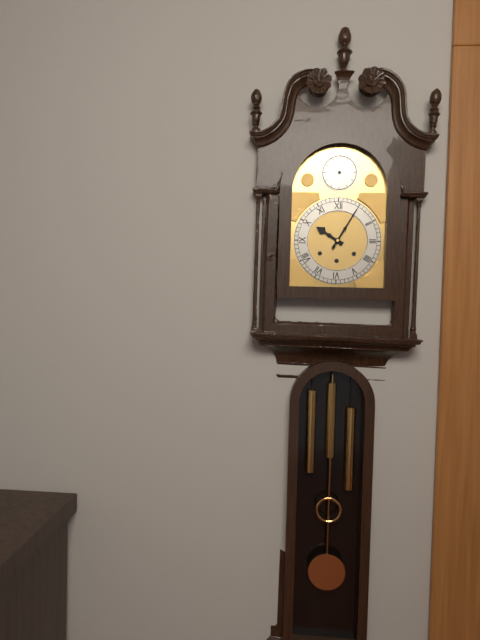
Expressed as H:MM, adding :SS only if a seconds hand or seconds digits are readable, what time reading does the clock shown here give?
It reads 10:05
